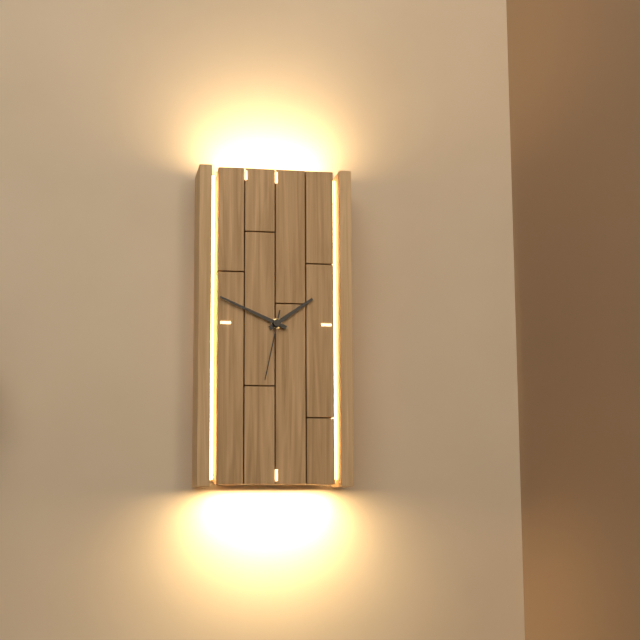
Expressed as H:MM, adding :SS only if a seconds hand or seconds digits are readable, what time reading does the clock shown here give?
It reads 1:49:32
